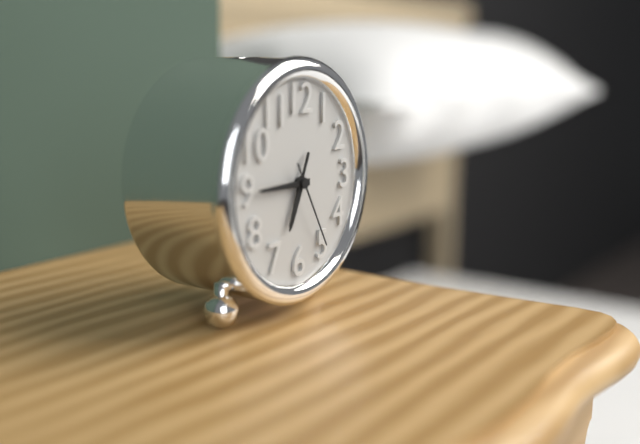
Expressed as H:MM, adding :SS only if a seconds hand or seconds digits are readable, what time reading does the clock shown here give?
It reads 6:45:25
